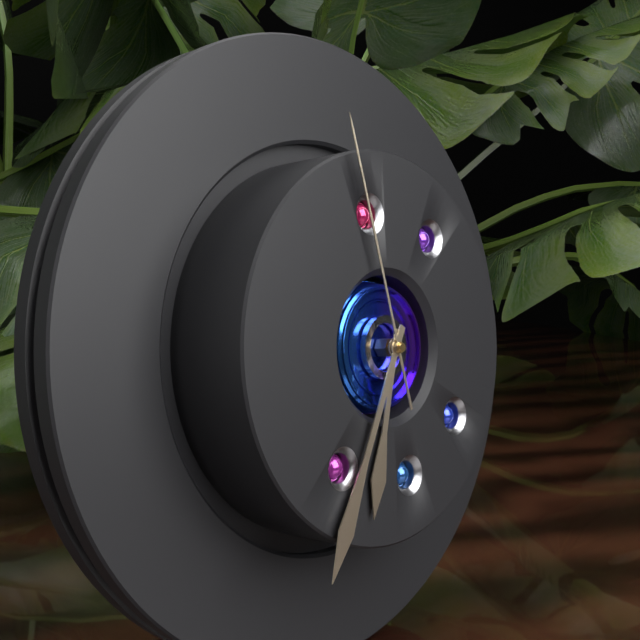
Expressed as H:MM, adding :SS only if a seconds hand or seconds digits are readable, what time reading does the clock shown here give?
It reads 6:35:58
